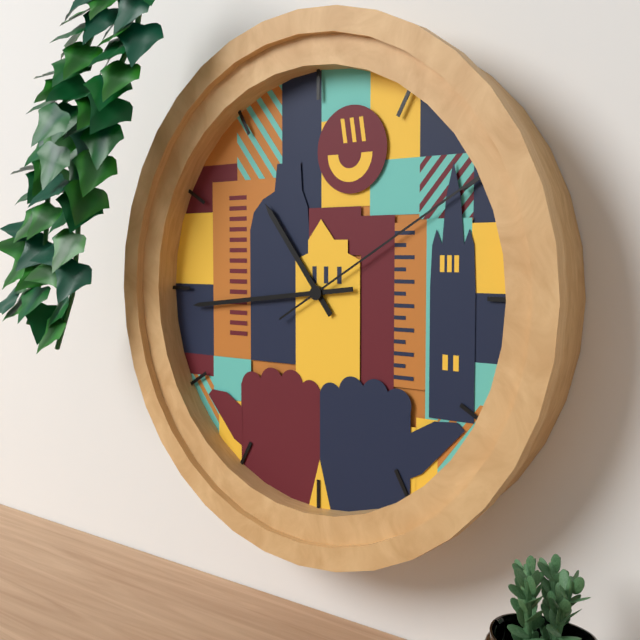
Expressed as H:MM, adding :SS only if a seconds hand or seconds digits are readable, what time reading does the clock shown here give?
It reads 10:44:10
